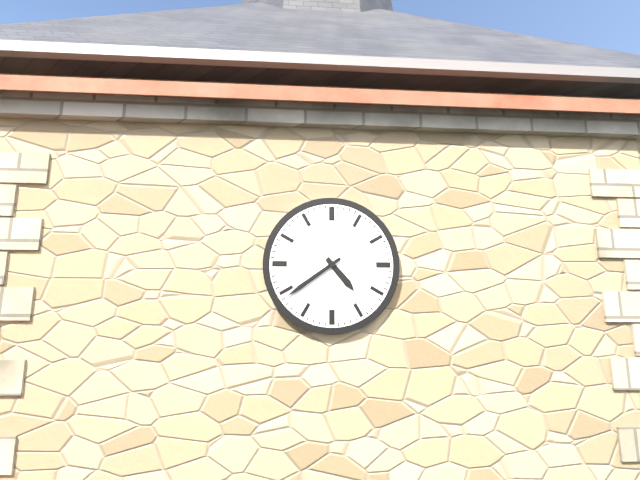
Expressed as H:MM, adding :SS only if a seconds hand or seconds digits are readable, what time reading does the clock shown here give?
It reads 4:39
